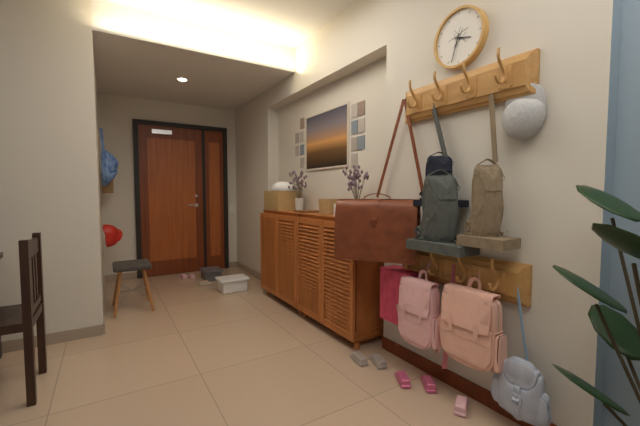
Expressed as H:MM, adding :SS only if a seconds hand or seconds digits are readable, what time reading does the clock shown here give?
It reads 3:33
